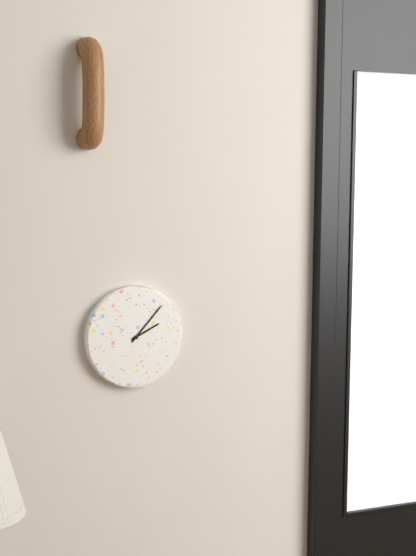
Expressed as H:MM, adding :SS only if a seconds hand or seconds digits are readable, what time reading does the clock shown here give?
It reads 2:07
